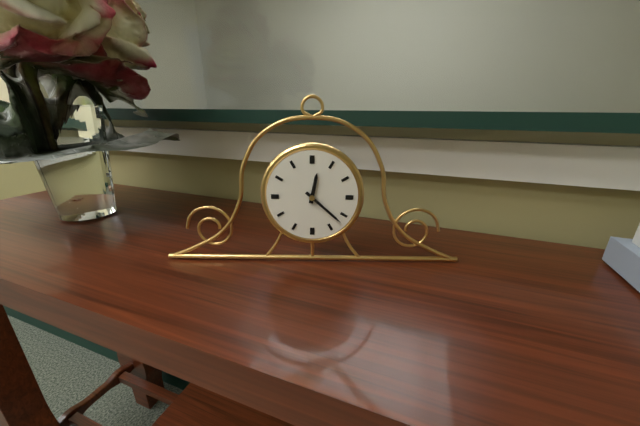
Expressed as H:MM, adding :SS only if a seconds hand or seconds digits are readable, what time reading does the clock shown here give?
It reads 12:22
